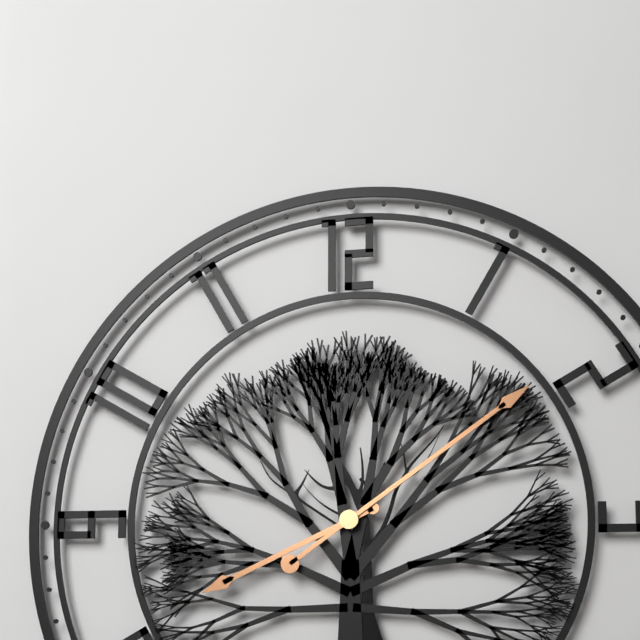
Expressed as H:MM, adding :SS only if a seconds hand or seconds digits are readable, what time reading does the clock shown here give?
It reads 8:09
